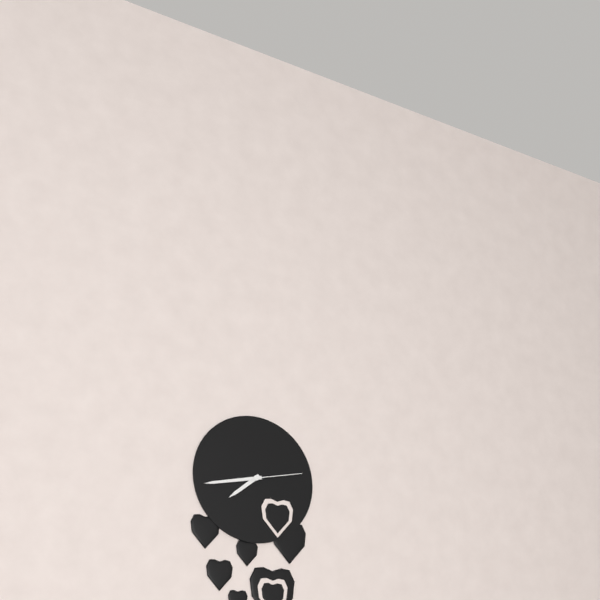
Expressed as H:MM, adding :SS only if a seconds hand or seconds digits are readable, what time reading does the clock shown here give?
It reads 7:43:13
